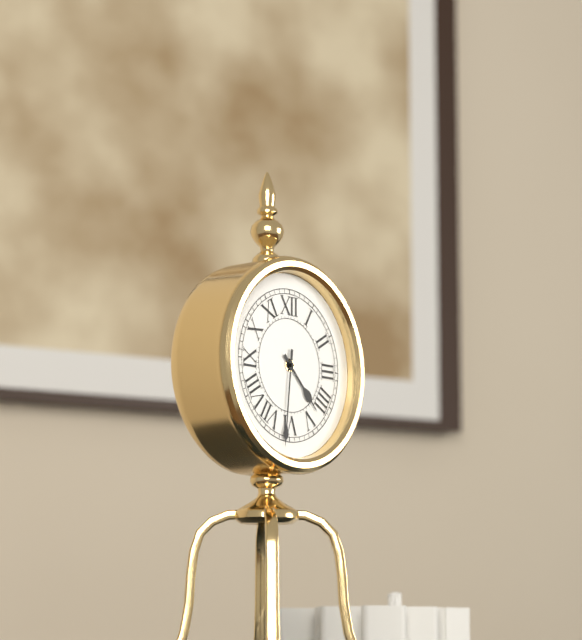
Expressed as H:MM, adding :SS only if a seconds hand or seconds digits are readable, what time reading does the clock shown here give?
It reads 4:31
